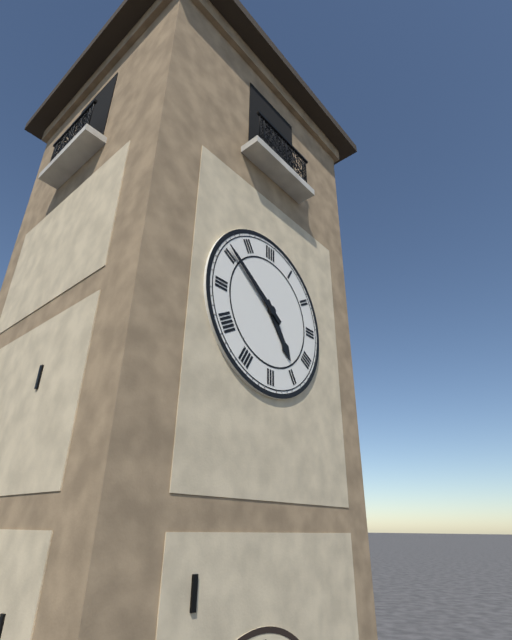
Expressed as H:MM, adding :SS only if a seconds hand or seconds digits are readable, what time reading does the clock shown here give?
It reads 4:51
